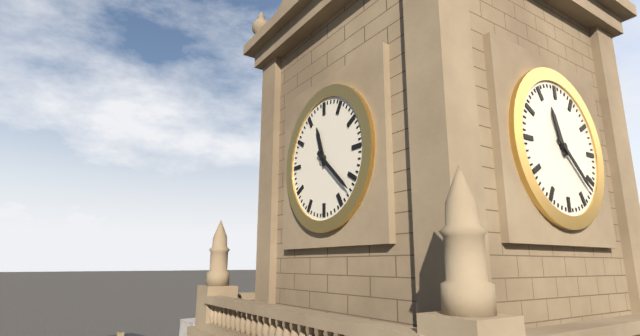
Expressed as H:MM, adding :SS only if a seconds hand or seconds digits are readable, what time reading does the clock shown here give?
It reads 11:22
